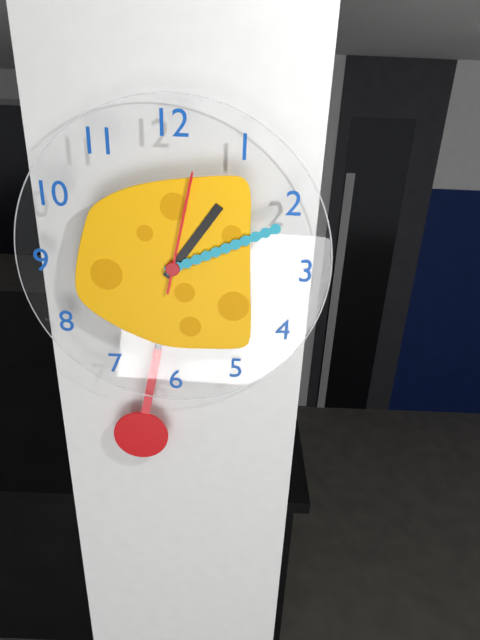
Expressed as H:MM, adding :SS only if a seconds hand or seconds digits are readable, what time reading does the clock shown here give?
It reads 1:11:02
